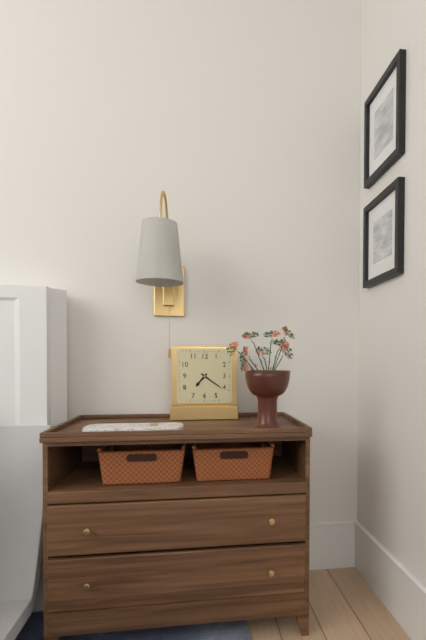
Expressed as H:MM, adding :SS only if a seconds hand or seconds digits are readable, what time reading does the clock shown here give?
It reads 7:21
